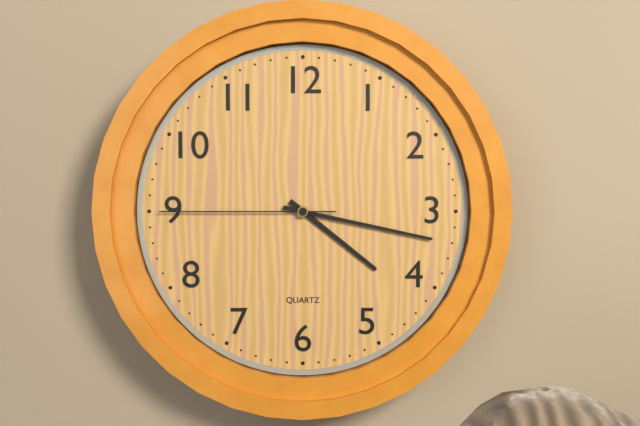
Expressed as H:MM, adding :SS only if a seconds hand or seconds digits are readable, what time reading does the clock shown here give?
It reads 4:17:45
